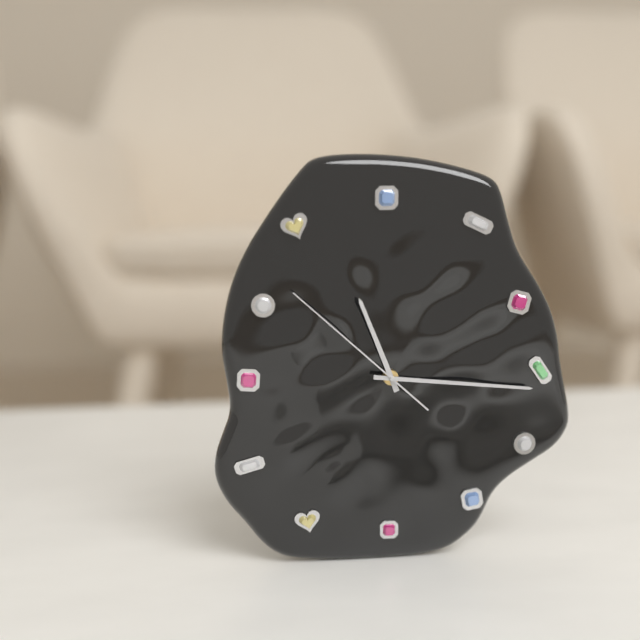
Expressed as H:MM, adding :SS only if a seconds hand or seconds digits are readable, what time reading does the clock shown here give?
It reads 11:16:52
